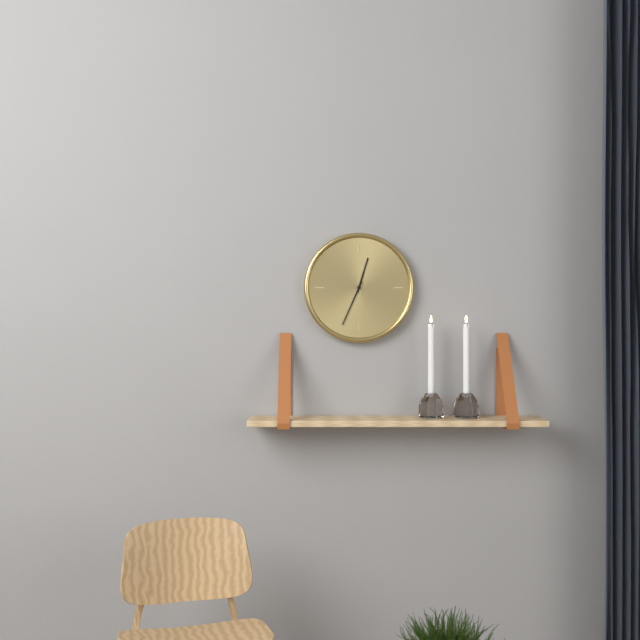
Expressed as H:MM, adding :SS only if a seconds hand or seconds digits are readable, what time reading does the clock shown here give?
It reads 12:34
